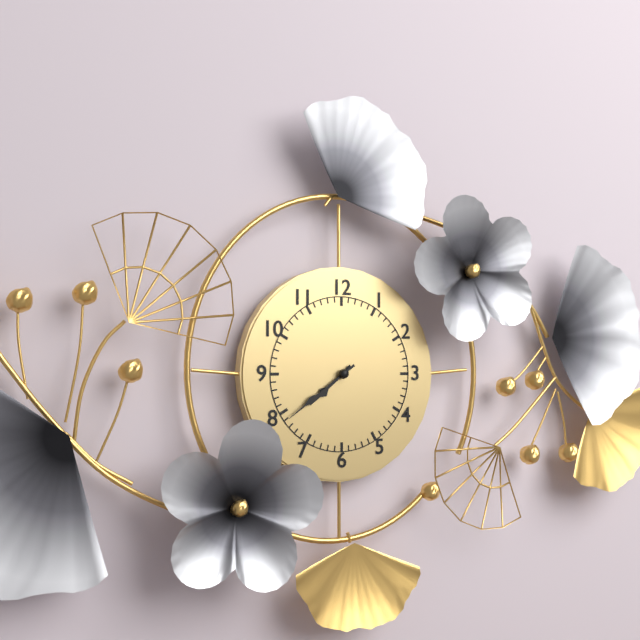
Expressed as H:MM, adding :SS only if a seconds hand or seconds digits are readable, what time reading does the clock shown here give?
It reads 7:39
